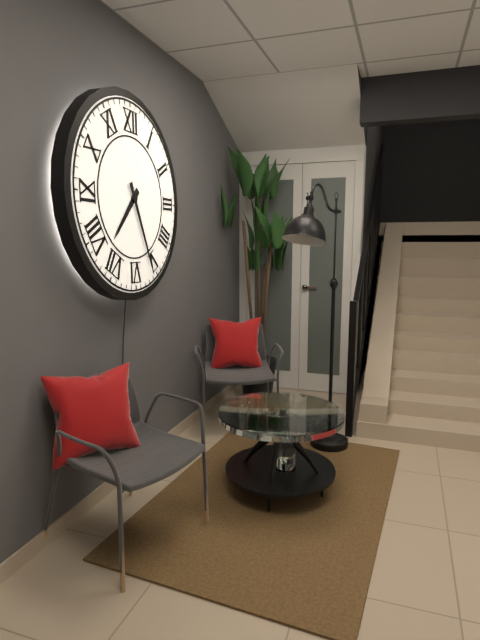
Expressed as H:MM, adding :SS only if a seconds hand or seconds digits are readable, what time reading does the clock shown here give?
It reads 7:26
